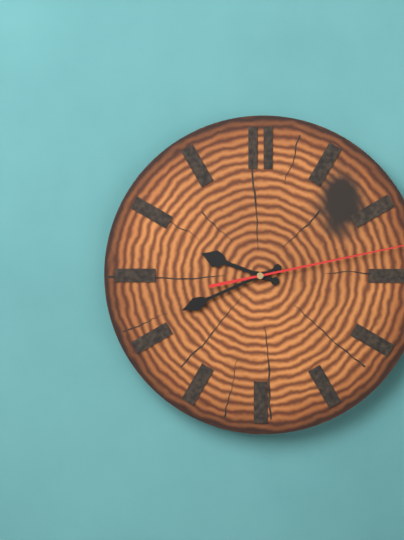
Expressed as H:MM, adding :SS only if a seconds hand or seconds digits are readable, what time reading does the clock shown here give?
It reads 9:41
